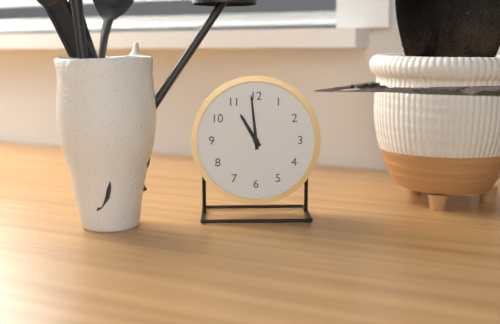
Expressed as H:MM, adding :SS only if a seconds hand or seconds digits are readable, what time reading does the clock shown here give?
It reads 10:59
